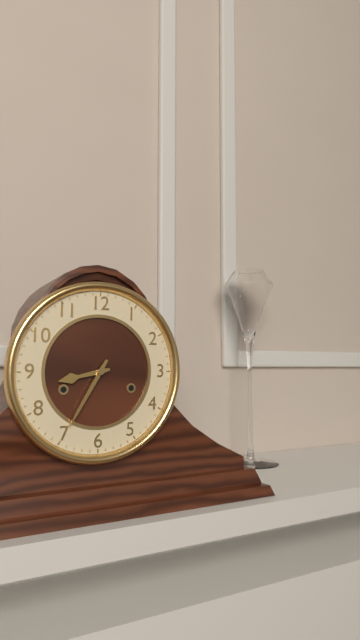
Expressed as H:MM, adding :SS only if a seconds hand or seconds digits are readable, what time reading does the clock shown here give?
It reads 8:35
